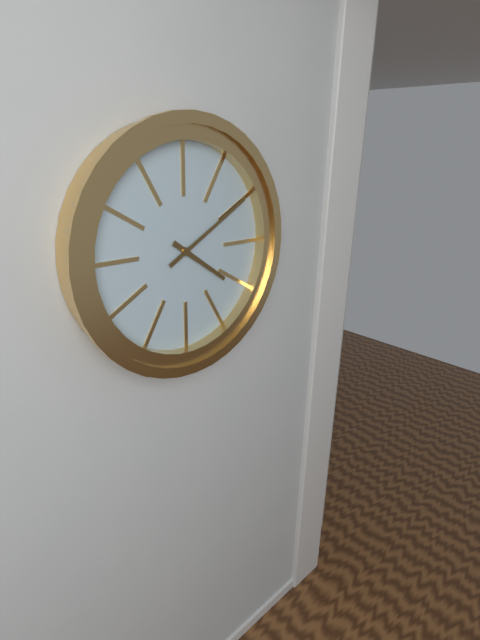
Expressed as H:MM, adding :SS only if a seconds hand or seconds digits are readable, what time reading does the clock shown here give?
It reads 4:10
